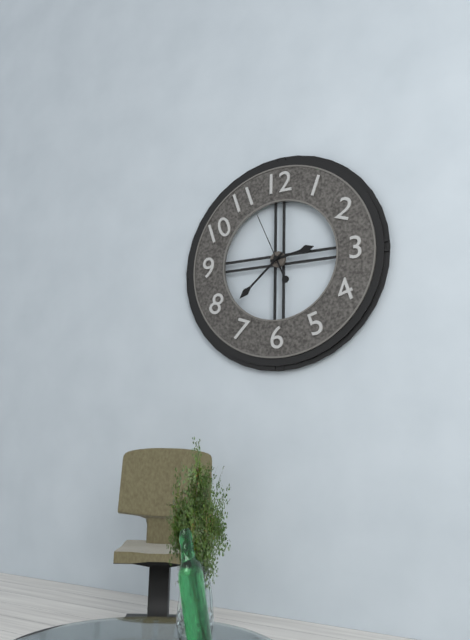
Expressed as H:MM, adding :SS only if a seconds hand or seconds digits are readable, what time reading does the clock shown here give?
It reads 2:38:56
